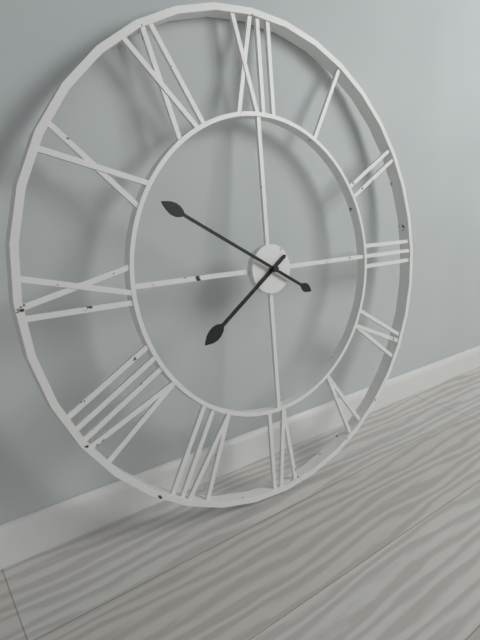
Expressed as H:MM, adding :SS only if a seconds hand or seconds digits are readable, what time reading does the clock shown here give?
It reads 7:50
